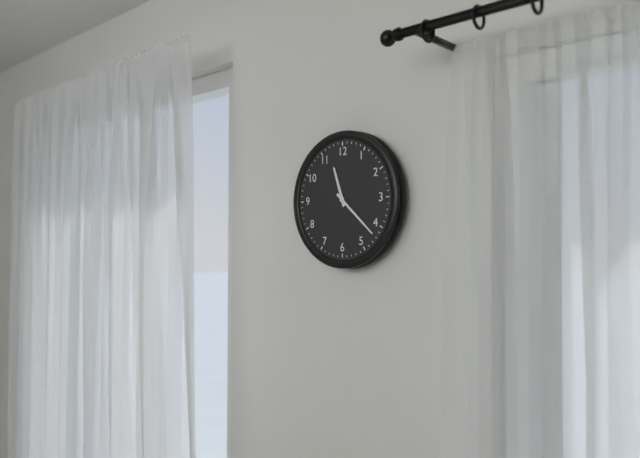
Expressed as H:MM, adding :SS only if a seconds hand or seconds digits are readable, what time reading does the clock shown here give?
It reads 11:22
